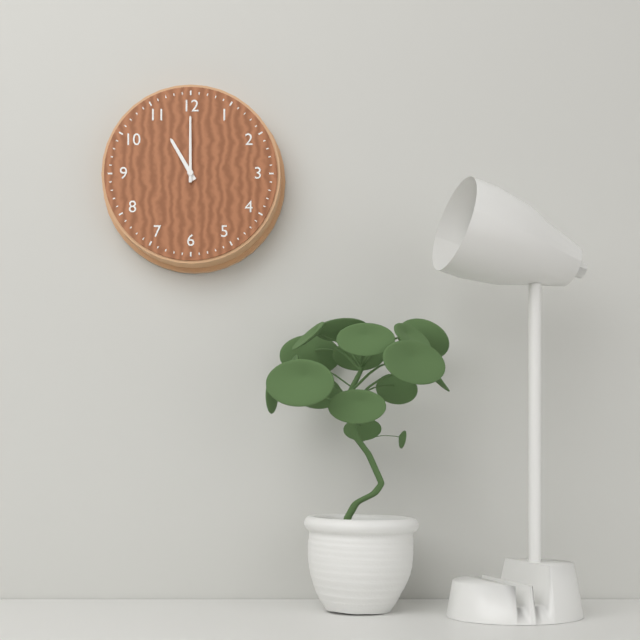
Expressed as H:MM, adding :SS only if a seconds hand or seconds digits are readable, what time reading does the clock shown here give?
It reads 11:00
